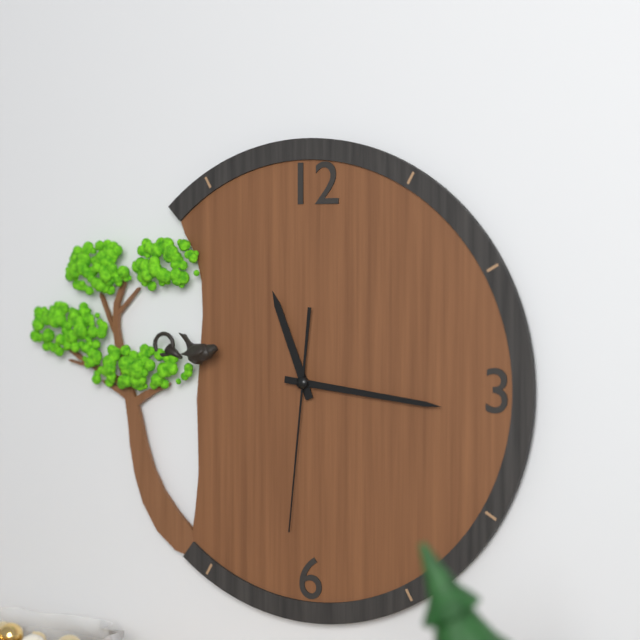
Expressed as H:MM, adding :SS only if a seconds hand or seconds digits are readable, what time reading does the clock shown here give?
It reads 11:16:31
